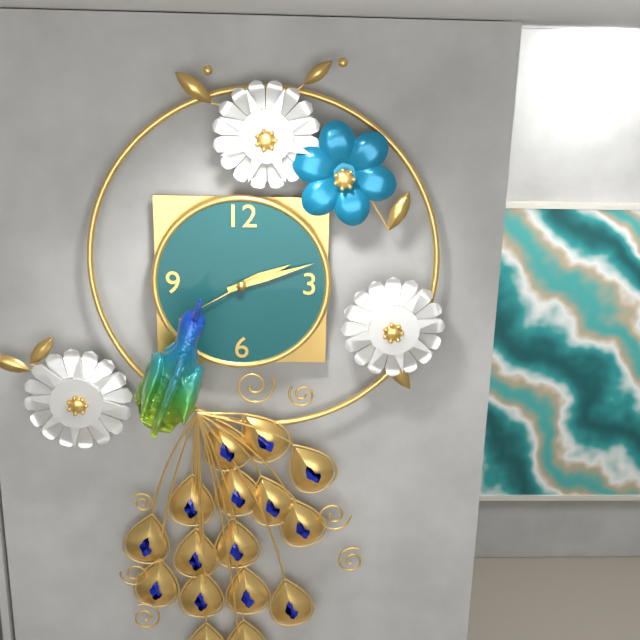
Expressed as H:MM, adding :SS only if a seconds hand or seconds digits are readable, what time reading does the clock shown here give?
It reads 2:12:40
